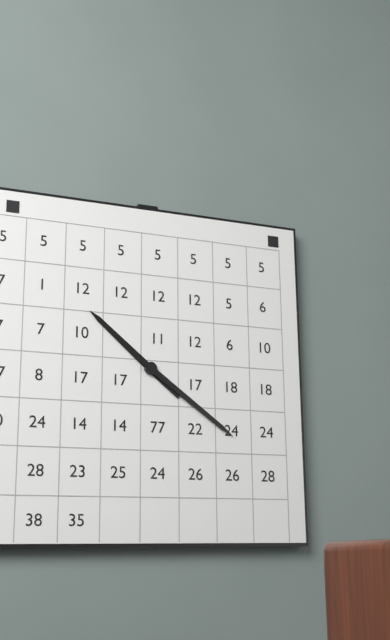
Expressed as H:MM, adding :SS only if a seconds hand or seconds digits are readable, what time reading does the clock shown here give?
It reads 10:21
